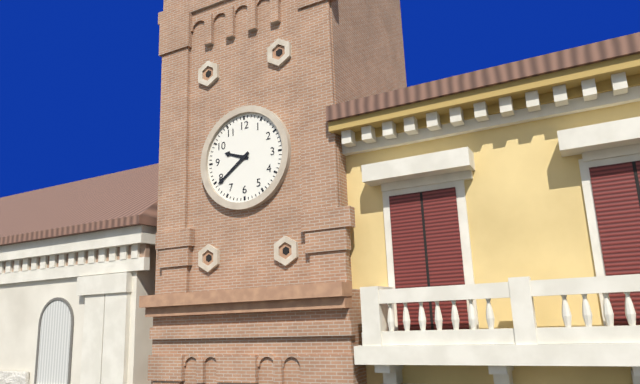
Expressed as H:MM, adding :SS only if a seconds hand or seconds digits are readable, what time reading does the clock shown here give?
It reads 9:39
